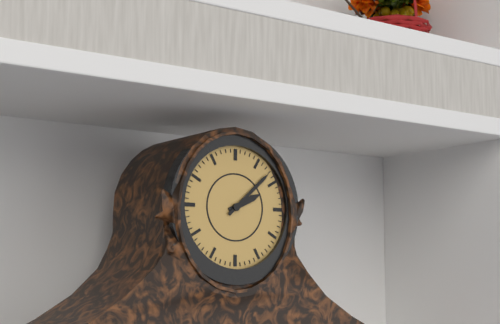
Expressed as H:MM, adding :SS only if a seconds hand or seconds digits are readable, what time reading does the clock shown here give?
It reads 2:08
